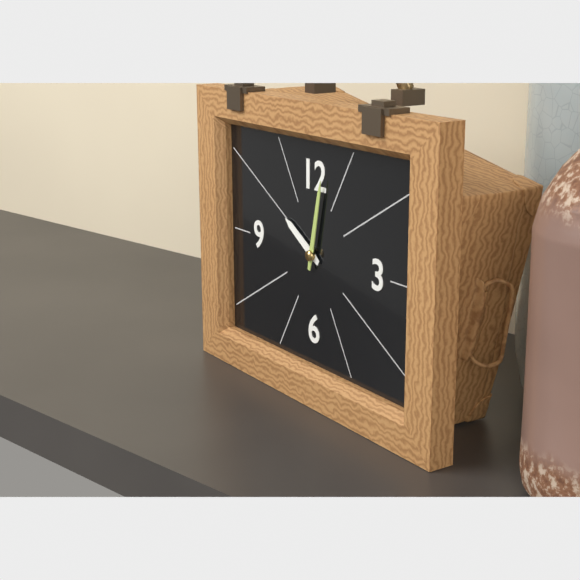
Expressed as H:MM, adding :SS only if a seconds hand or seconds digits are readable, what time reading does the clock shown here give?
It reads 10:02
